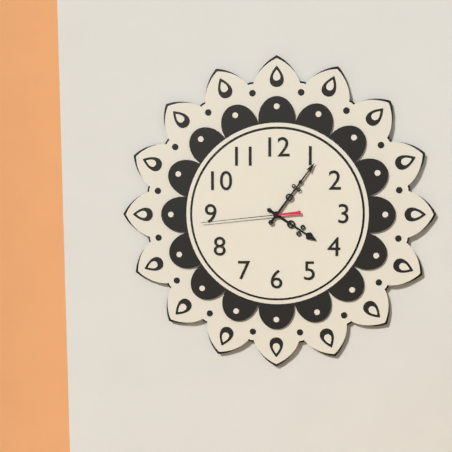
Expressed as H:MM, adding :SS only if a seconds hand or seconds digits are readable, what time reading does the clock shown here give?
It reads 4:06:44
